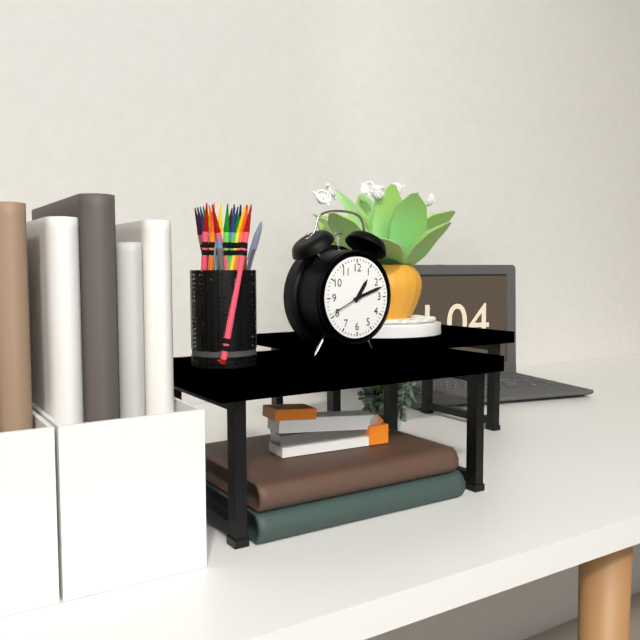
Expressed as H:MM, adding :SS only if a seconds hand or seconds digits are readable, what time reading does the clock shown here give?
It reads 1:12
